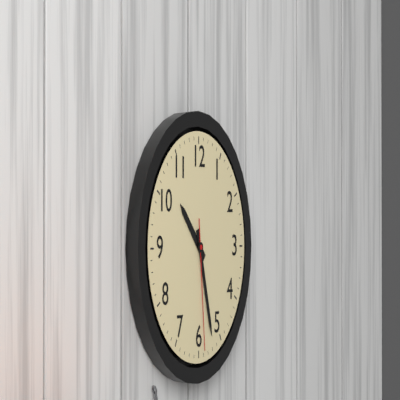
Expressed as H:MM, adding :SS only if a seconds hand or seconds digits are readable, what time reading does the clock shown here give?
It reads 10:27:29
